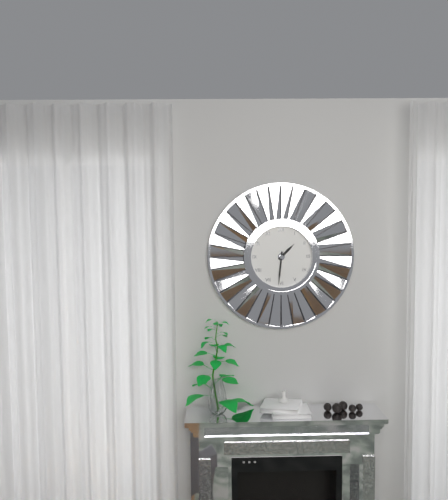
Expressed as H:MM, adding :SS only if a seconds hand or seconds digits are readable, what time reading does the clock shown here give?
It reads 1:31
